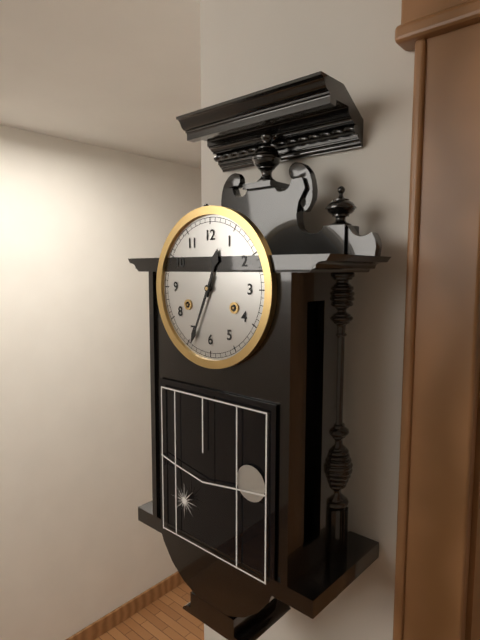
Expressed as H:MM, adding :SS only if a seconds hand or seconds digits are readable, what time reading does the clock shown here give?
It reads 12:34
